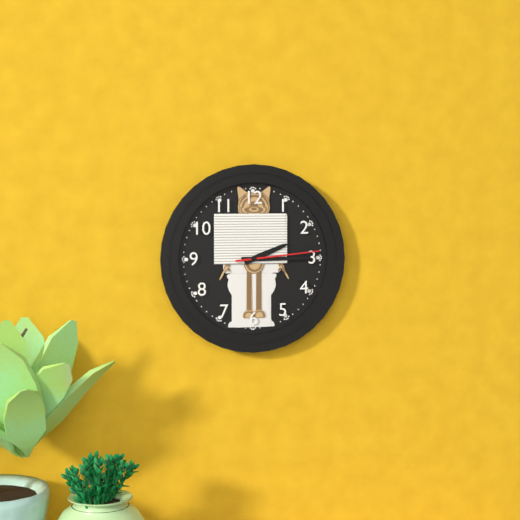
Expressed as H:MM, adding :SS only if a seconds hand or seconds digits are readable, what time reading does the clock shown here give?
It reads 2:15:14
